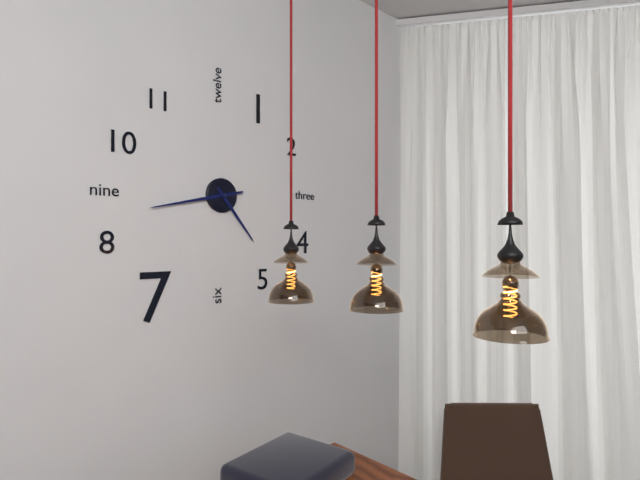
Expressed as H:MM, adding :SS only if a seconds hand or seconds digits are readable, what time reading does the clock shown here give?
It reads 4:43
